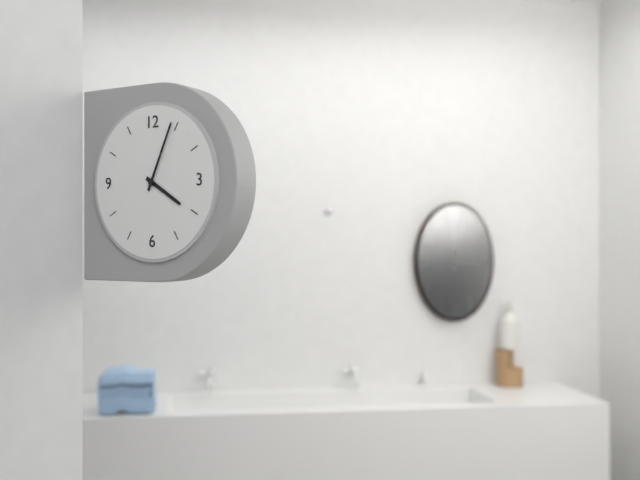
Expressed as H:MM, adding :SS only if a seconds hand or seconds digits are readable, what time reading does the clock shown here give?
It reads 4:04
